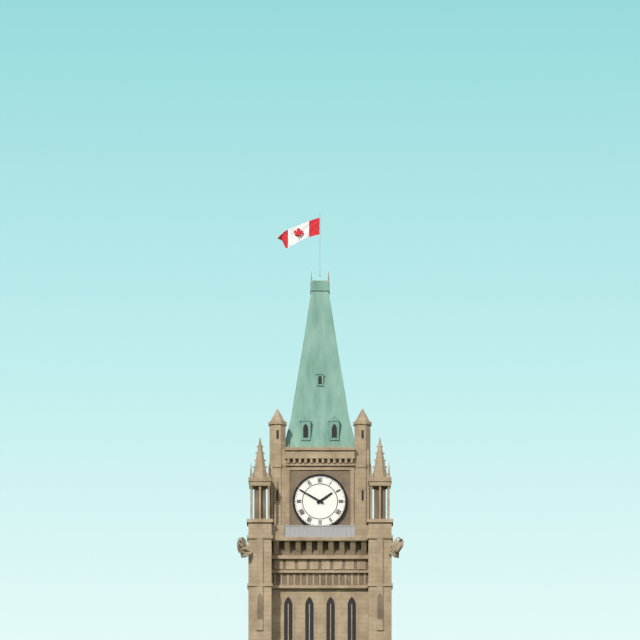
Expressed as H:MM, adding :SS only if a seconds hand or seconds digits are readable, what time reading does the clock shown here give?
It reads 1:50
